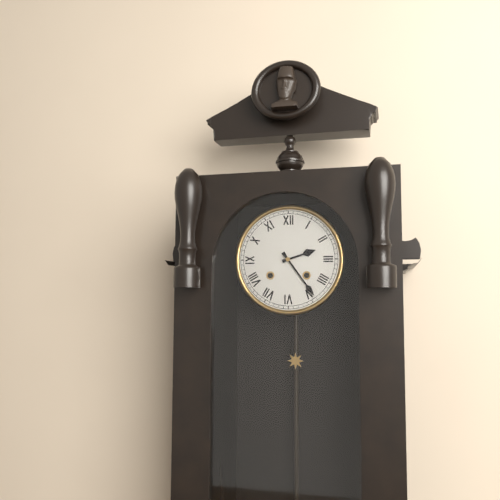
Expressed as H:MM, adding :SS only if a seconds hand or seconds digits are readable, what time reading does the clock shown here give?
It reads 2:24
